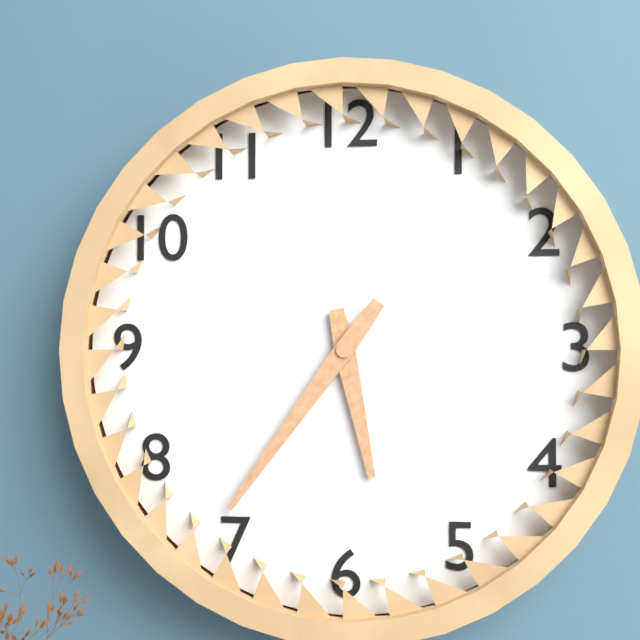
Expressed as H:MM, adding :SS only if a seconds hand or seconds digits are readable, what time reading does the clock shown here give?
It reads 5:36
